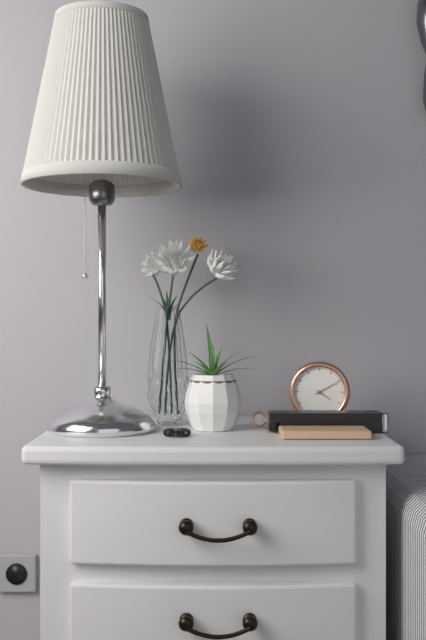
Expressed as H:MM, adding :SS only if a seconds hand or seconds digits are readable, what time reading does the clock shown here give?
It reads 4:10
